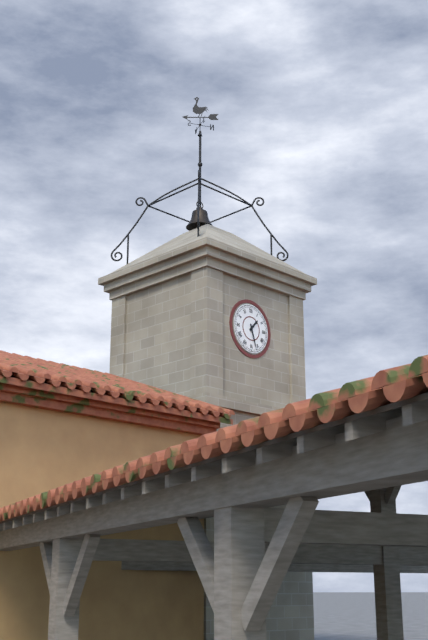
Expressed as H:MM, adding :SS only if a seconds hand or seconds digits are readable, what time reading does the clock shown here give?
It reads 1:27
